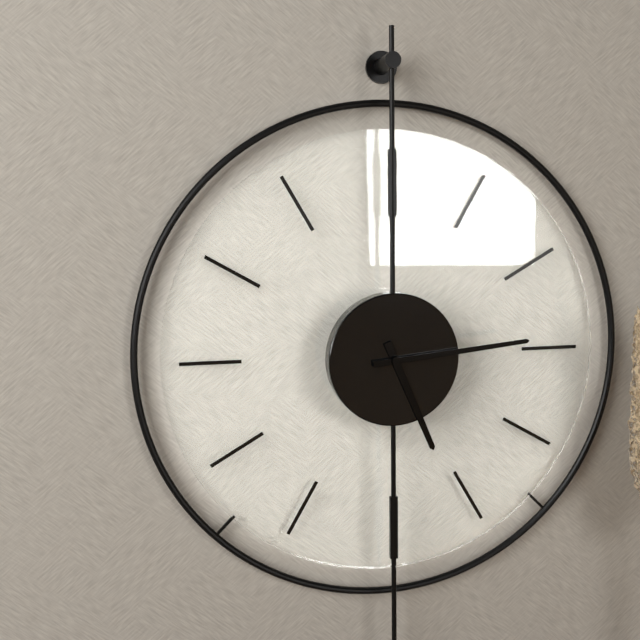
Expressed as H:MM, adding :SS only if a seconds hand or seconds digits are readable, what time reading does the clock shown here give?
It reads 5:14
